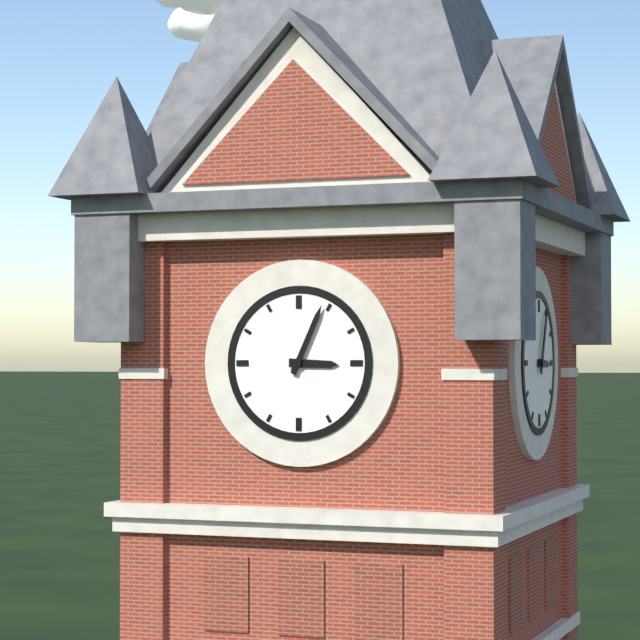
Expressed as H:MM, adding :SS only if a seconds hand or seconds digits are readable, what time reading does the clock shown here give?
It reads 3:04
